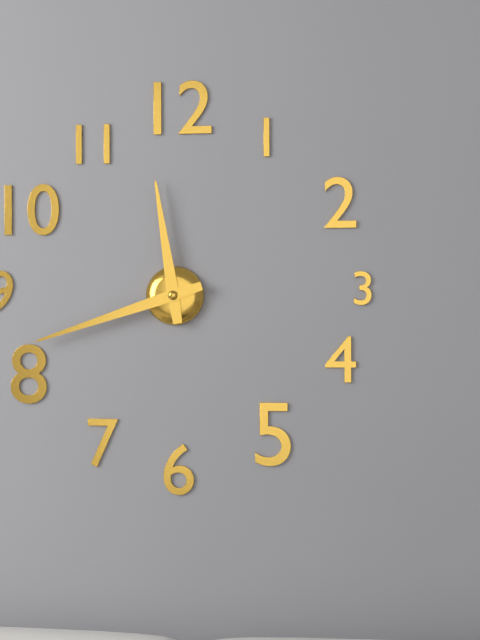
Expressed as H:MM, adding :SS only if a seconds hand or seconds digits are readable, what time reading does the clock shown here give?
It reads 11:42
